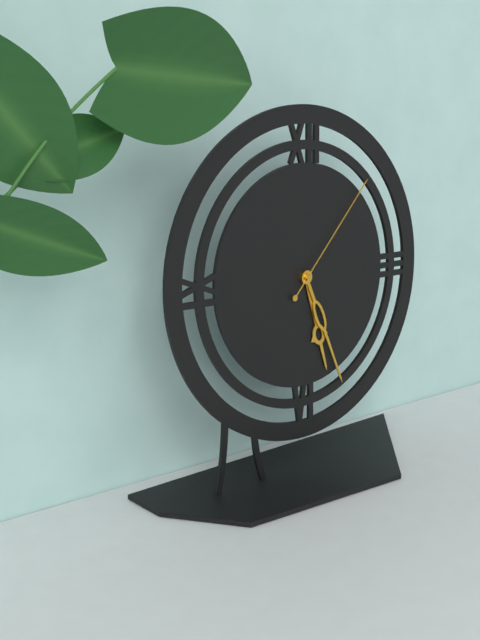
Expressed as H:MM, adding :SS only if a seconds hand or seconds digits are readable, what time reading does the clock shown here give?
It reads 5:26:07
